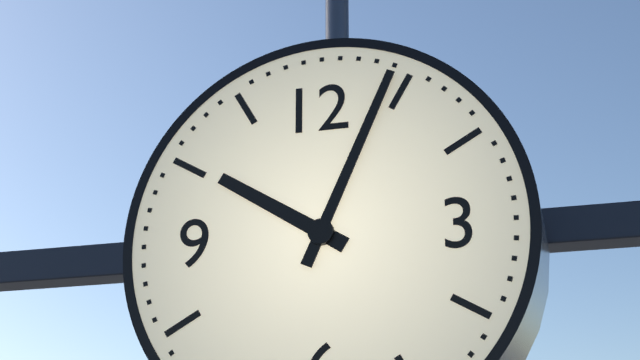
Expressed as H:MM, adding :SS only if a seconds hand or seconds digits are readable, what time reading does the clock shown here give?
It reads 10:04
